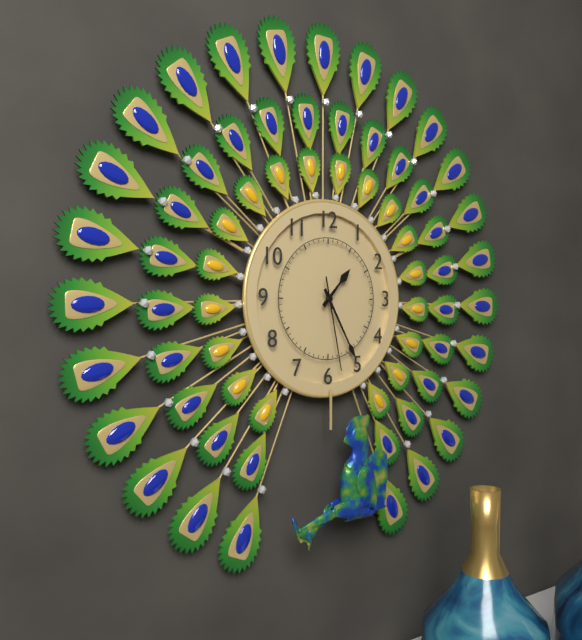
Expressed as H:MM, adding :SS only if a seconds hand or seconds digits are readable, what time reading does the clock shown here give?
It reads 1:25:28
